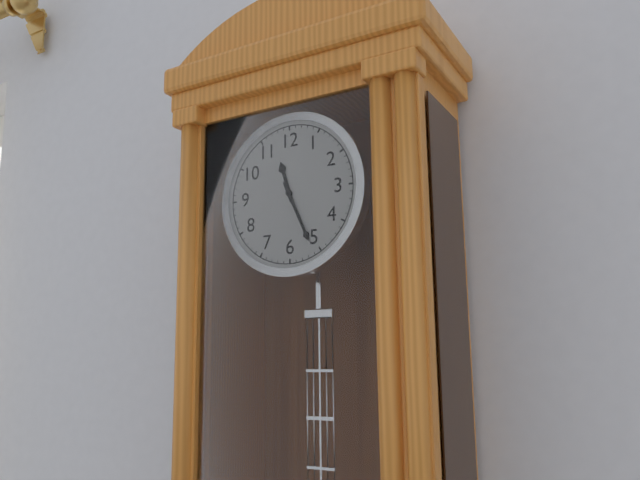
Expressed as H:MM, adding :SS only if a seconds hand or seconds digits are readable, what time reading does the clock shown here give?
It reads 11:26
